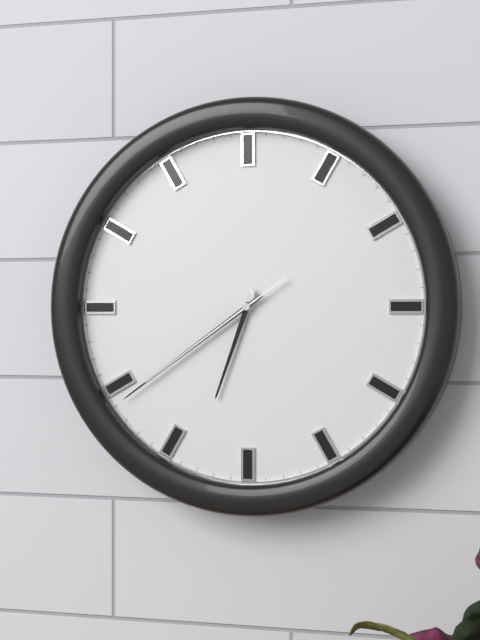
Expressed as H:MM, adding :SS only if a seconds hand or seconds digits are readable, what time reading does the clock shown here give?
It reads 6:39:39
